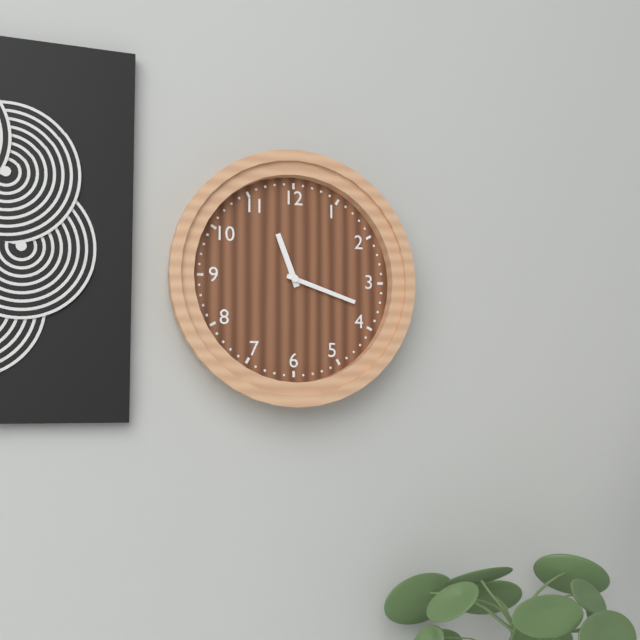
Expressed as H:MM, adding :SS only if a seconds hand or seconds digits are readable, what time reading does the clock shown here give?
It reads 11:18
